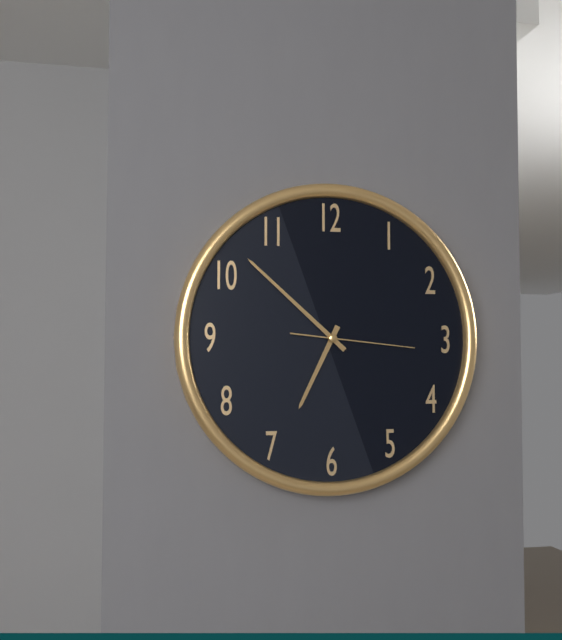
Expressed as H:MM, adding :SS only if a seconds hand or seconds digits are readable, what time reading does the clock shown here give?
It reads 6:52:16
